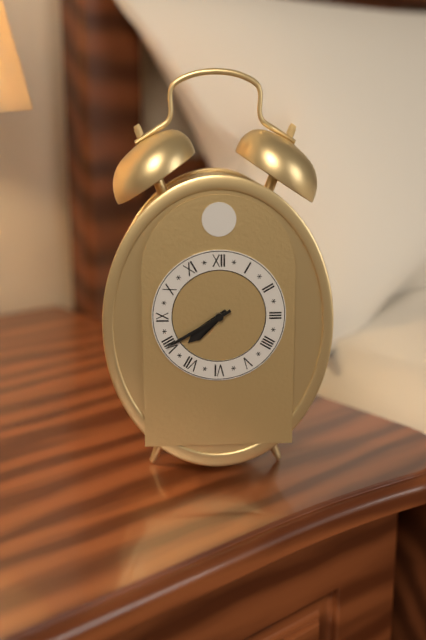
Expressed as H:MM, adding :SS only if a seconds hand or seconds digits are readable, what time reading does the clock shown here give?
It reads 7:40
